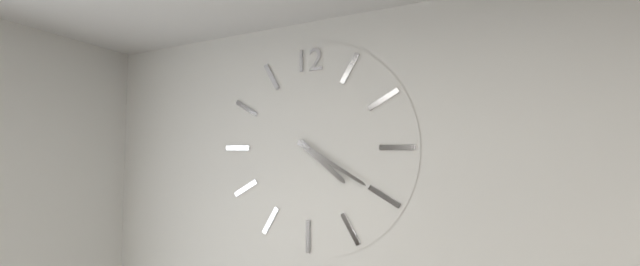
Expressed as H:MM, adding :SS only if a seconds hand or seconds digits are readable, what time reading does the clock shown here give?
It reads 4:20
